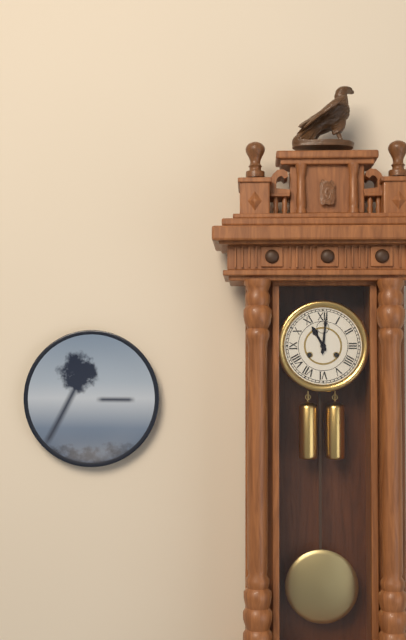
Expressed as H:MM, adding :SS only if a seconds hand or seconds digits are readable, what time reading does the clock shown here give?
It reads 11:01
